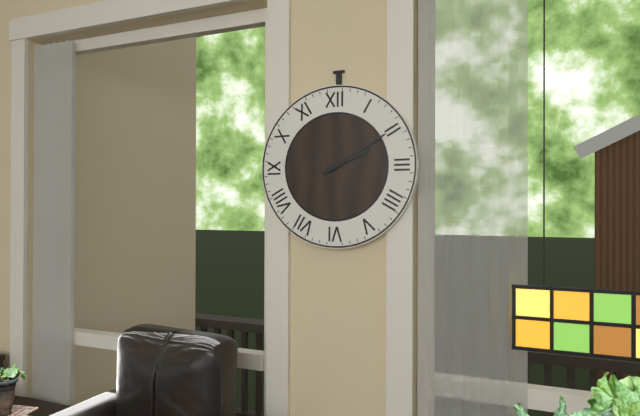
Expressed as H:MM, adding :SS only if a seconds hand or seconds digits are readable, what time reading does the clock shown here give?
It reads 2:10
